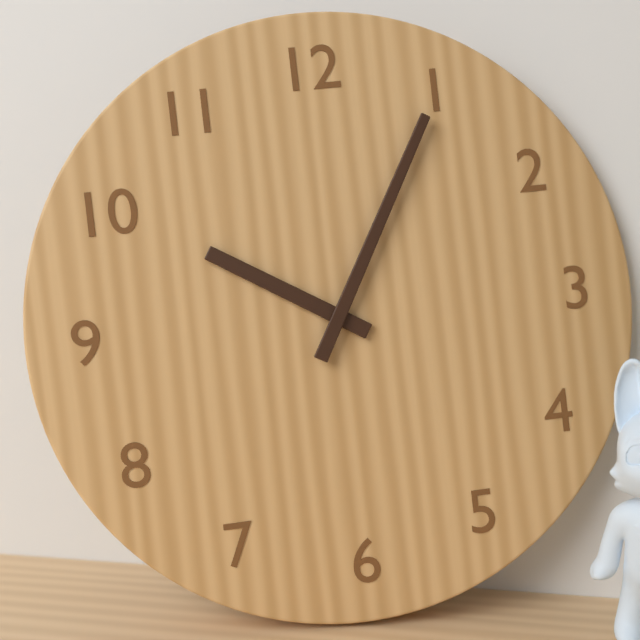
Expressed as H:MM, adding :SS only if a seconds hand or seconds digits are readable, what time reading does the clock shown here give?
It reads 10:05
